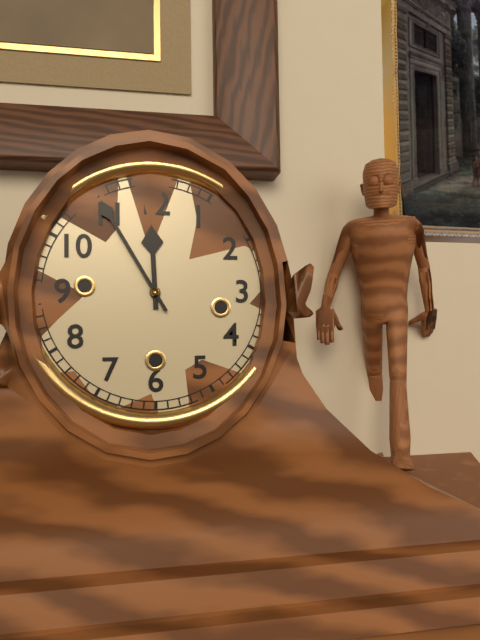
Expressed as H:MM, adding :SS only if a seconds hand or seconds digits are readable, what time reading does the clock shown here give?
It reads 11:55
